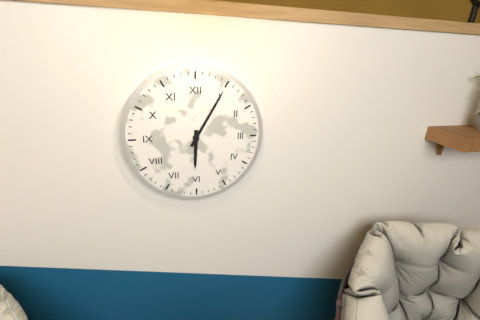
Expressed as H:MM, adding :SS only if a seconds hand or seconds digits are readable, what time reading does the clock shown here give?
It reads 6:05
